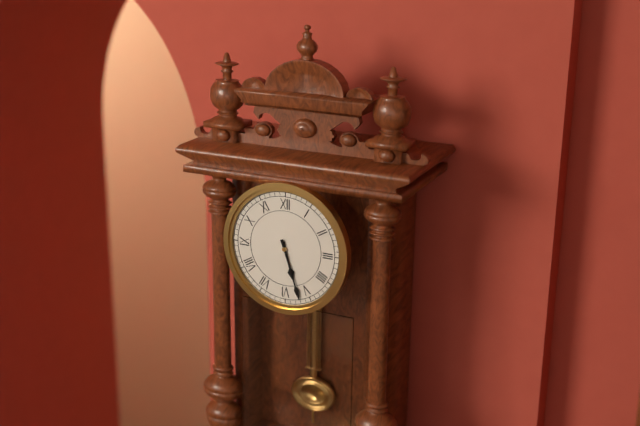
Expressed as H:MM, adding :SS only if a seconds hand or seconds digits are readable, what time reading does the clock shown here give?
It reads 5:27
